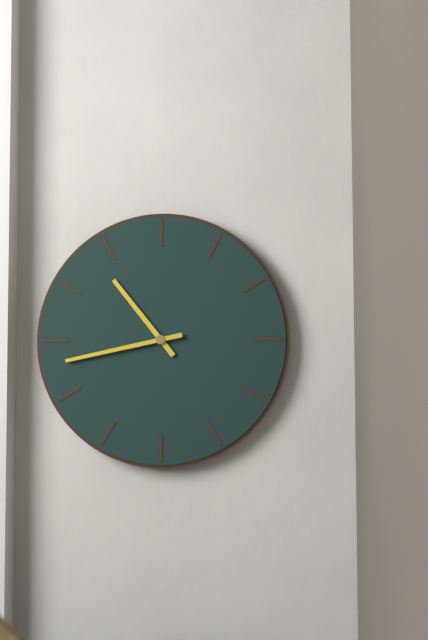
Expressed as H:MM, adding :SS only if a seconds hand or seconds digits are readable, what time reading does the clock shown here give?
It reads 10:43
